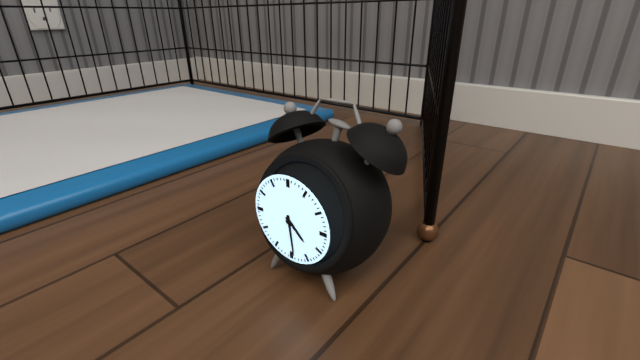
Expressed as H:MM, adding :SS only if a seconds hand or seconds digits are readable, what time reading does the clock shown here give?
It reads 4:29
